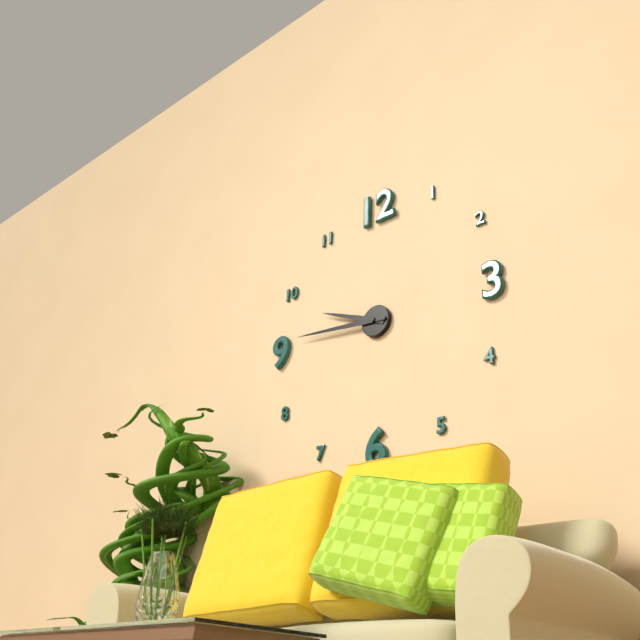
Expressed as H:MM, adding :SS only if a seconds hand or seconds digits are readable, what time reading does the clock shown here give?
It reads 9:46
